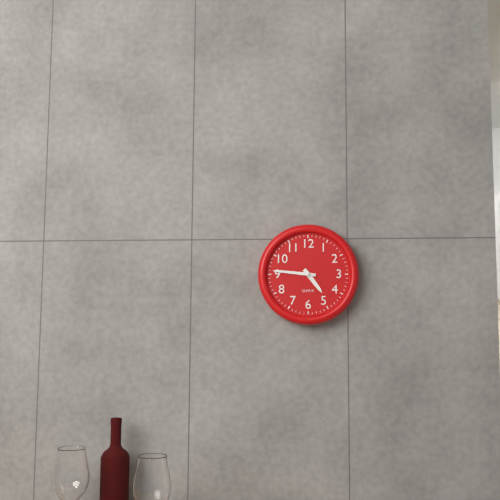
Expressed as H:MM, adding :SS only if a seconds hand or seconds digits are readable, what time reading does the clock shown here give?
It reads 4:46
